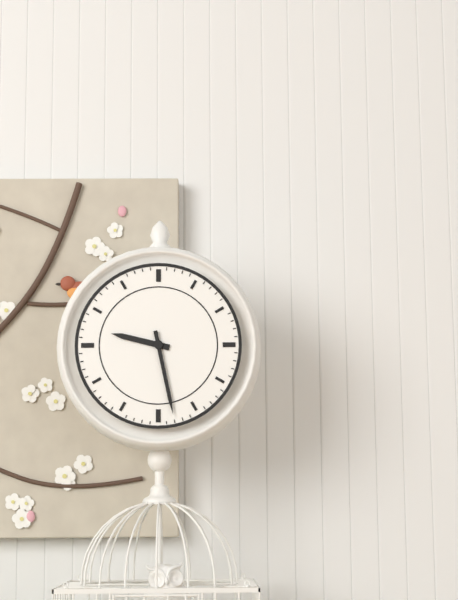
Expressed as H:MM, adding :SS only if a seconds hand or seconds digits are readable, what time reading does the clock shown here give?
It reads 9:28
